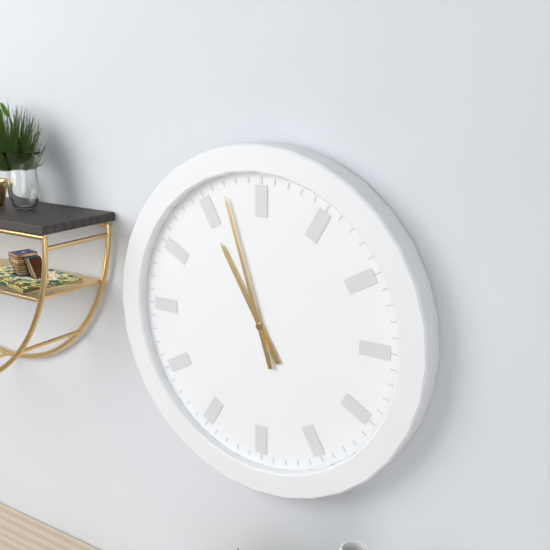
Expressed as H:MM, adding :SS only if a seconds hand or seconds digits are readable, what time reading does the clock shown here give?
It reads 10:57
